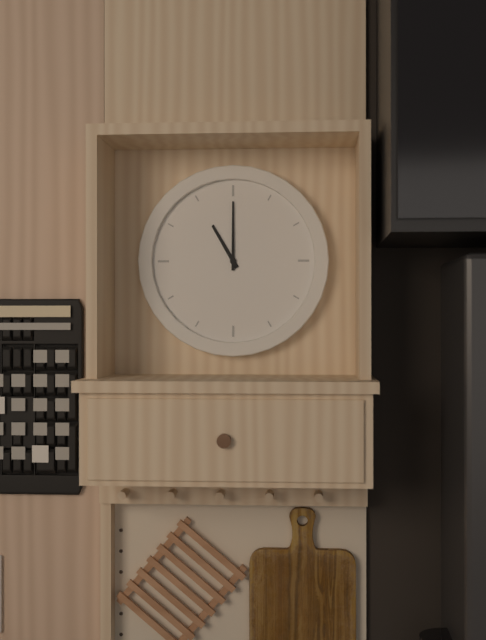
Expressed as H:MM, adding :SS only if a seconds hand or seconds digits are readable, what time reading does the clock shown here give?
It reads 11:00
